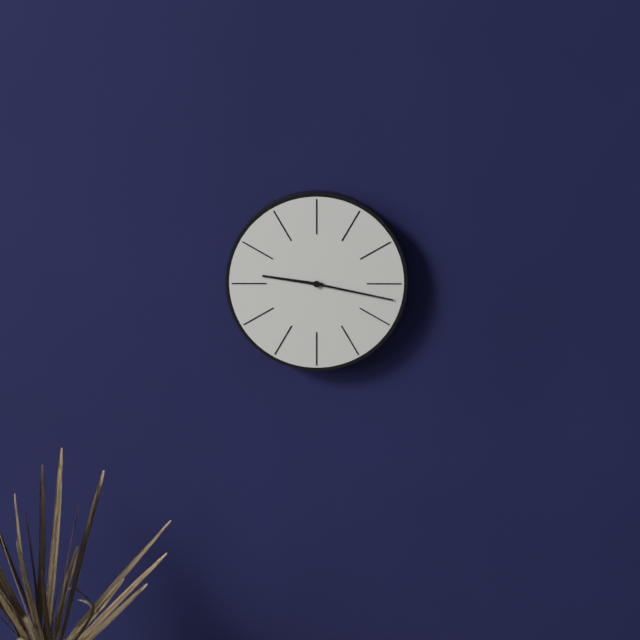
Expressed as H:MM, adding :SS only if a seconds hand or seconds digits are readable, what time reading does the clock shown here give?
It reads 9:17
